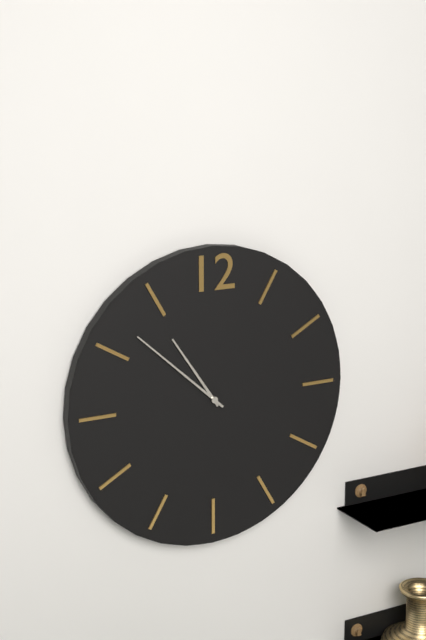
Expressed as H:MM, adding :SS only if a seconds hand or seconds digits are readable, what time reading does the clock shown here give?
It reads 10:52
